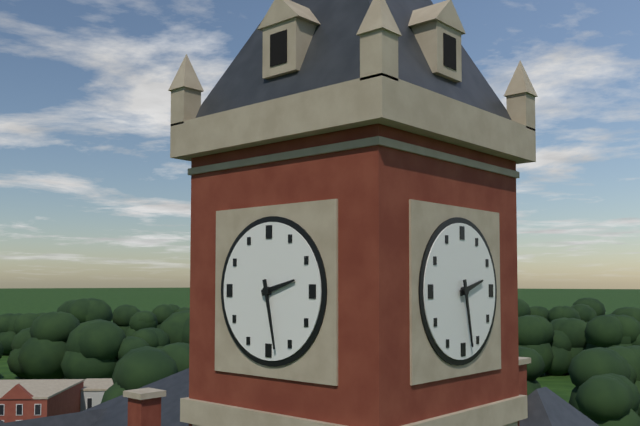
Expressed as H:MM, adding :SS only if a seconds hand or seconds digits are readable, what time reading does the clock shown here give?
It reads 2:28
